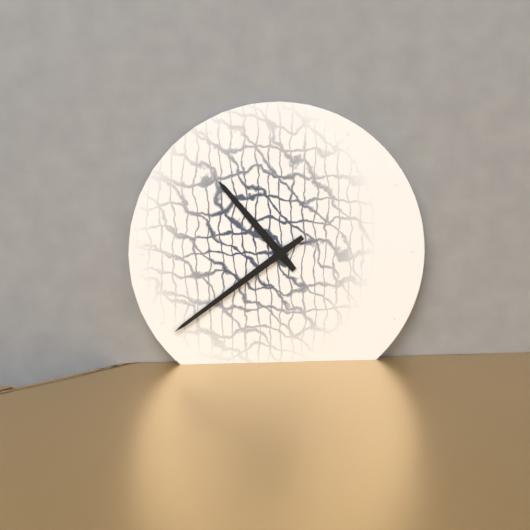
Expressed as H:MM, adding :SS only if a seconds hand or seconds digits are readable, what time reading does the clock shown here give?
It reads 10:39
